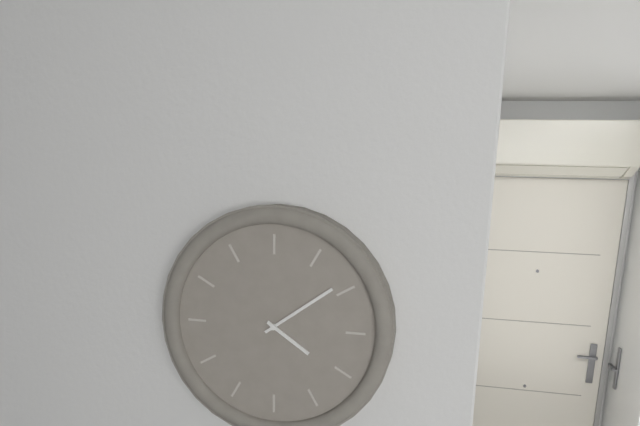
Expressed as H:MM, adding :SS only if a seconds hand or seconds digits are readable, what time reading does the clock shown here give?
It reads 4:09
